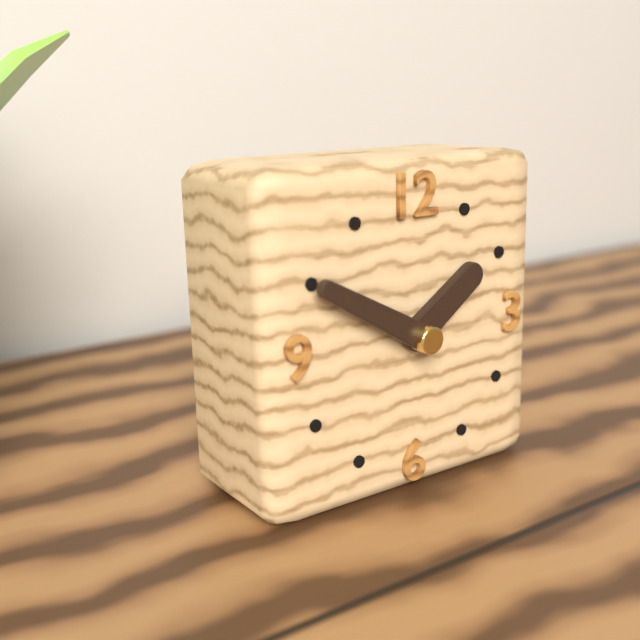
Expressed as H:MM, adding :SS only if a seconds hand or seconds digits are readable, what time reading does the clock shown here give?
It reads 1:50
